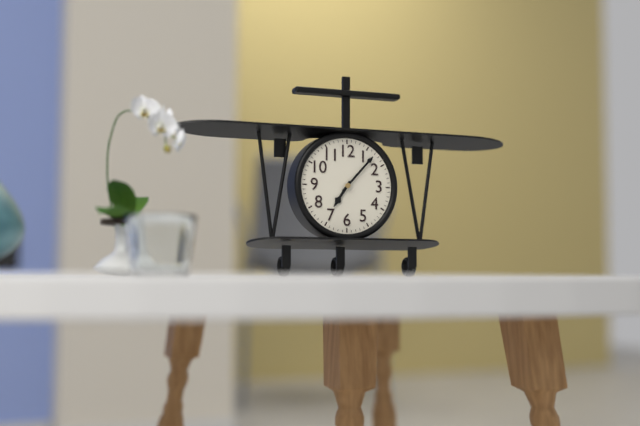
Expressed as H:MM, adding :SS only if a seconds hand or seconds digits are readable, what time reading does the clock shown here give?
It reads 7:07
